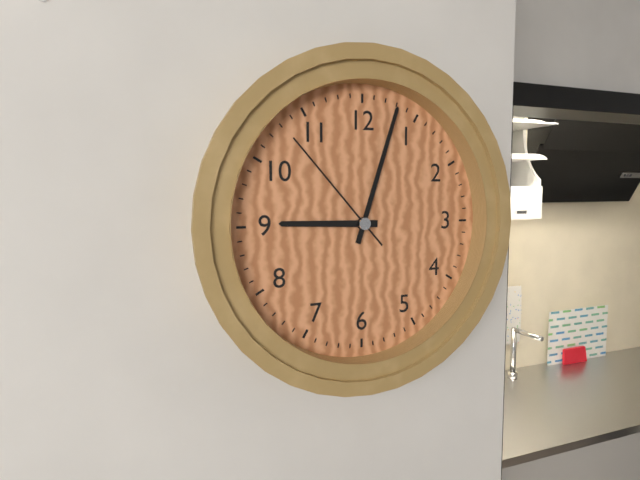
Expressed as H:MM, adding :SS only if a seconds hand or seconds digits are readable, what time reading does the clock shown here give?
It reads 9:03:53
